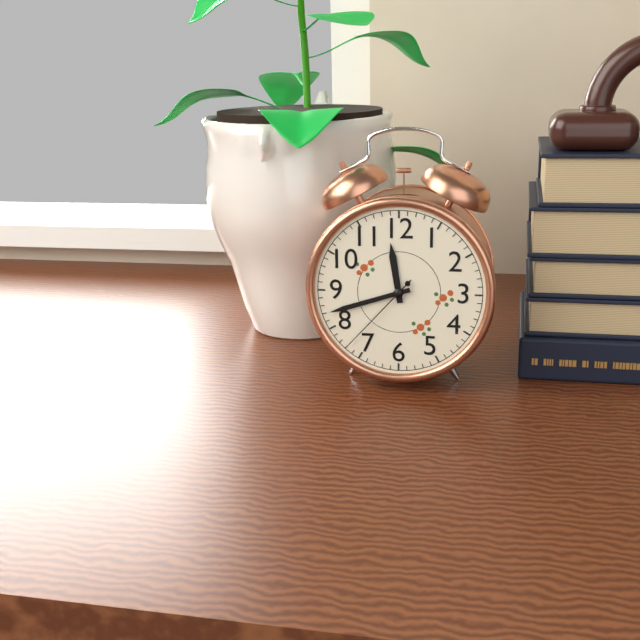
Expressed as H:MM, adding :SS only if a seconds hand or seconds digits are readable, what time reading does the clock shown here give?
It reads 11:42:37
